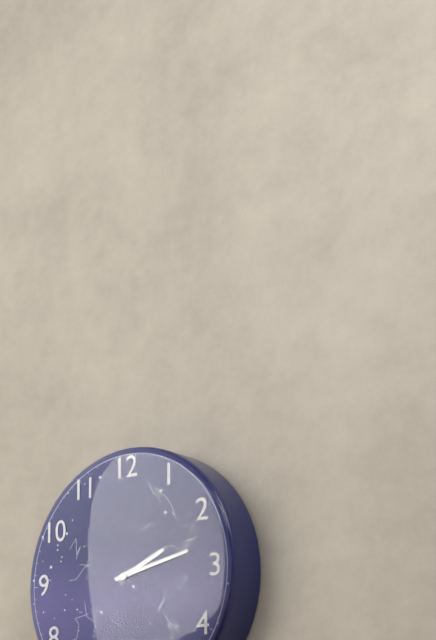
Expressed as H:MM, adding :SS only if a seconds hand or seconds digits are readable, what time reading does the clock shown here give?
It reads 2:13
